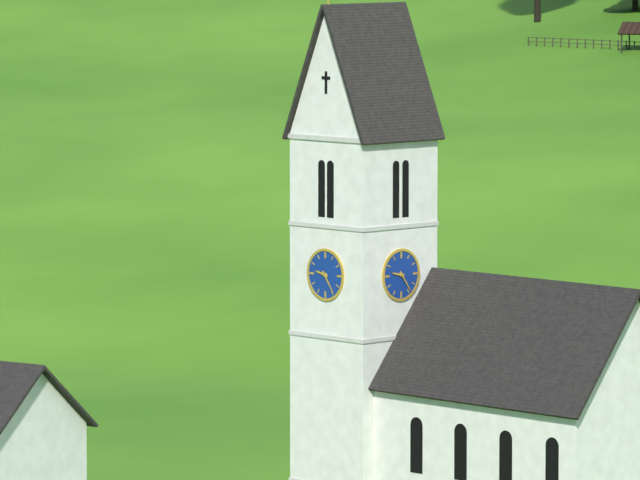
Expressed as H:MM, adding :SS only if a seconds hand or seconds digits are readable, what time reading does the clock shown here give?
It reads 9:24
